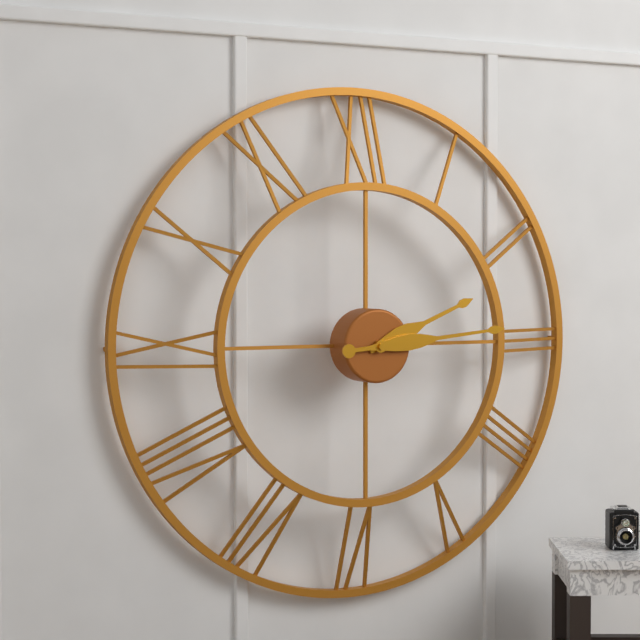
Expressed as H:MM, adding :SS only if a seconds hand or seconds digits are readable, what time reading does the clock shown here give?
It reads 2:14
